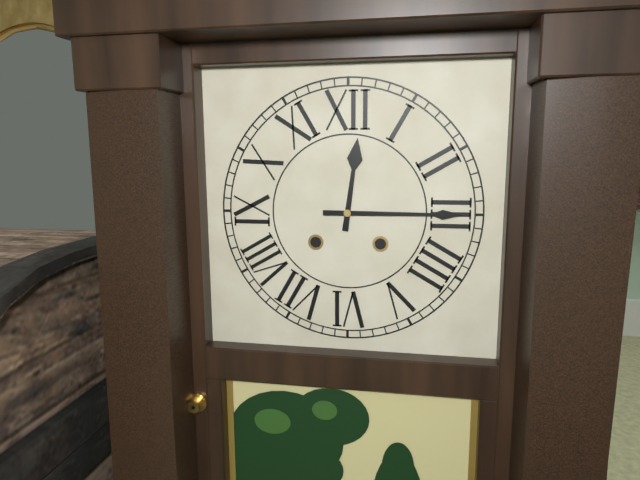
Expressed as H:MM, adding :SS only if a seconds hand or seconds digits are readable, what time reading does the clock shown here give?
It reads 12:15
